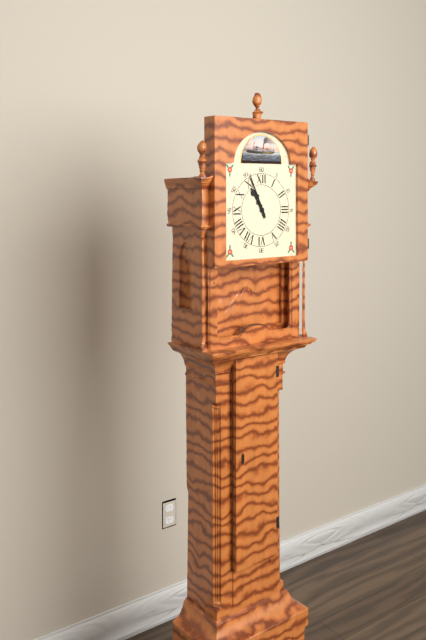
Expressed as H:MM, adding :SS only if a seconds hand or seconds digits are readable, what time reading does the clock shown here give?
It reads 10:56
